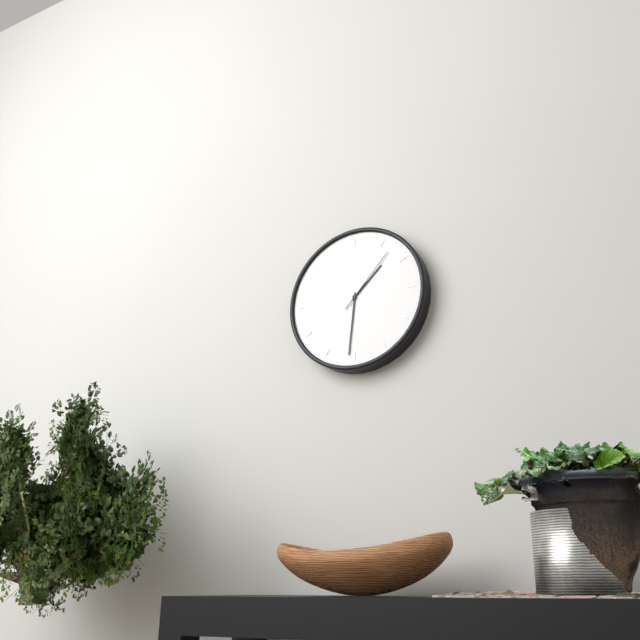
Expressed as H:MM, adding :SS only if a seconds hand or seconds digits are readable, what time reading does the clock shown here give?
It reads 1:31:07
